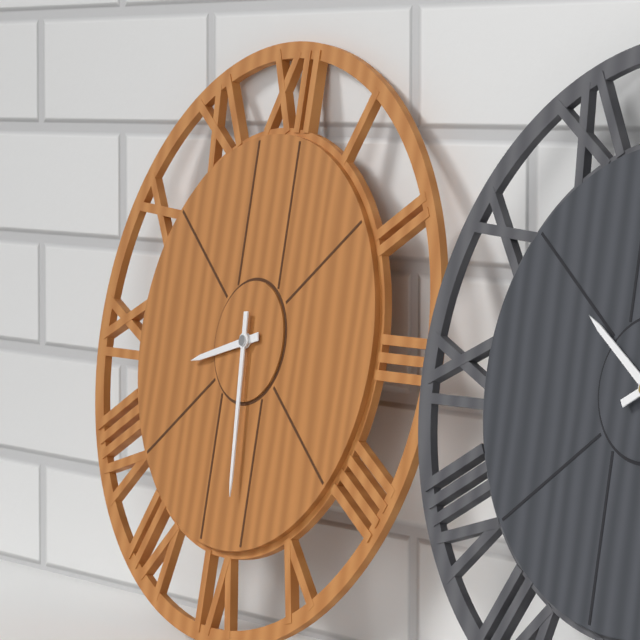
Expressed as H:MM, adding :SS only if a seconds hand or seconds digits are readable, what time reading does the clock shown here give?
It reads 8:29
